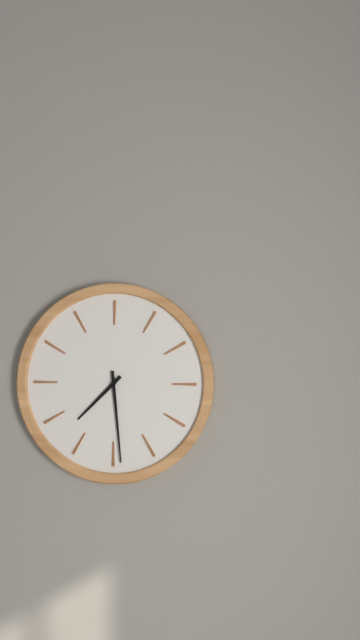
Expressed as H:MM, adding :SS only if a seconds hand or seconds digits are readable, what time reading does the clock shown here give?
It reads 7:29
